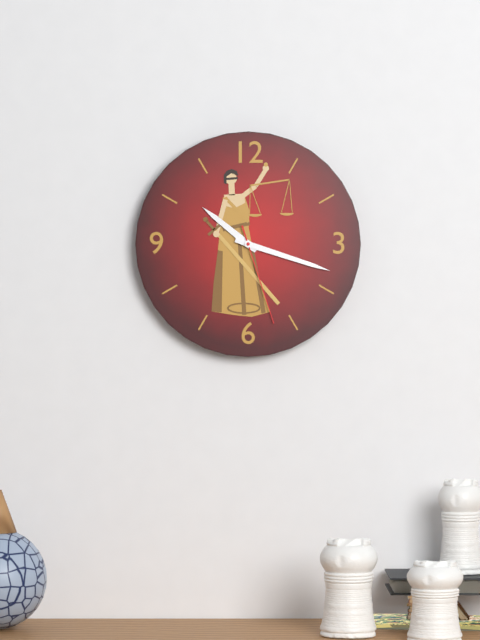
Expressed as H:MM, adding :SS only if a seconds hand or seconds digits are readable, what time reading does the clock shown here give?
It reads 10:18:27
